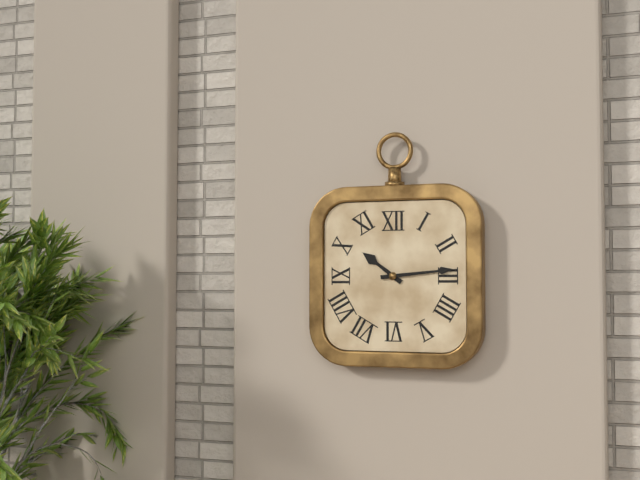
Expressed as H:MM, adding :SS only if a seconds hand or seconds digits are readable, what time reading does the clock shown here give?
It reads 10:14
